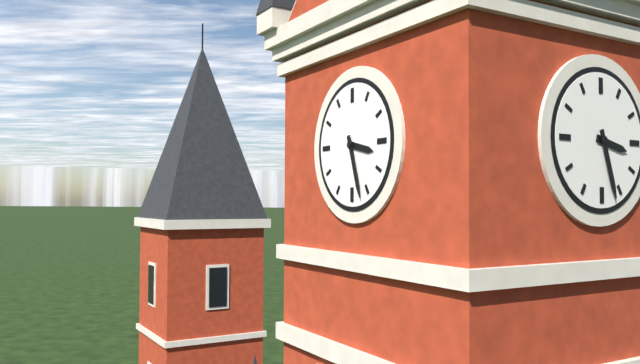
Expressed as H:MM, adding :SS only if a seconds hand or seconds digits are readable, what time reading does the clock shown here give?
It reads 3:27
